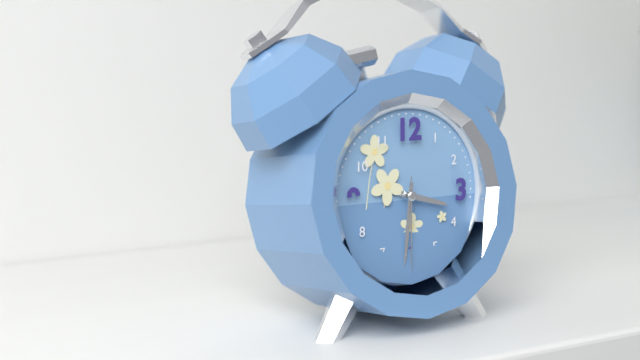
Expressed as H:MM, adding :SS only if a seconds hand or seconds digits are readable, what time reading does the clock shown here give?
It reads 3:31:30
